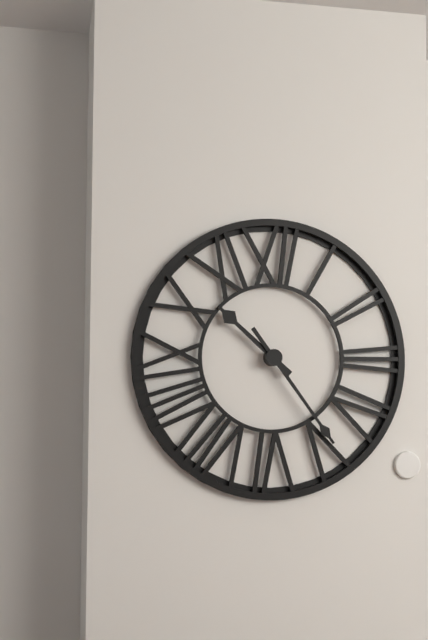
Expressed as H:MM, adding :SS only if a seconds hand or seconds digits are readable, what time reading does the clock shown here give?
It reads 10:24
